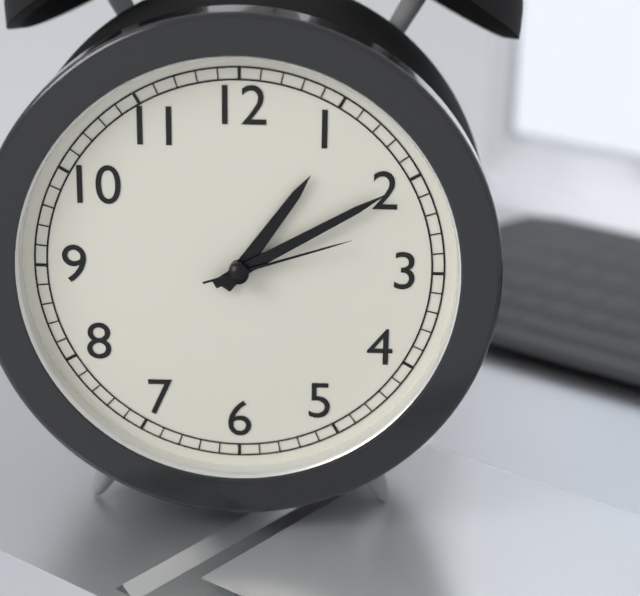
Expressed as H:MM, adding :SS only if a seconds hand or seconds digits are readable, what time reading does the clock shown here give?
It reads 1:10:12
